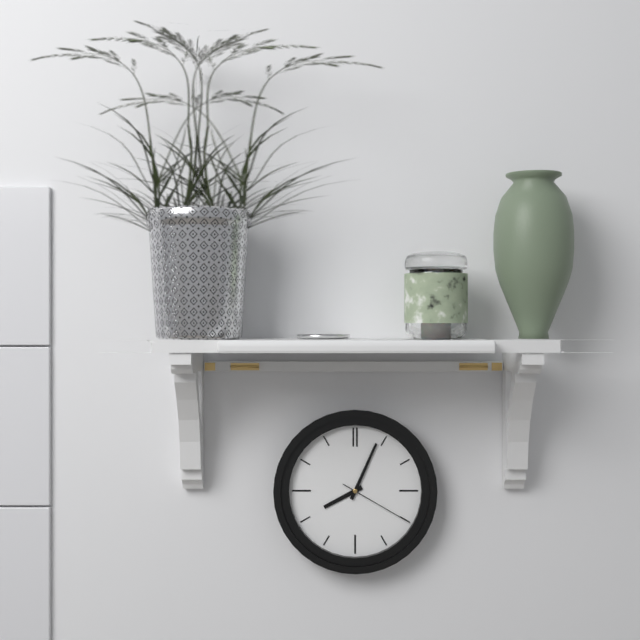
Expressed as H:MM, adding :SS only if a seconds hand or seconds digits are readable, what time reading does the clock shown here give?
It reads 8:04:20
